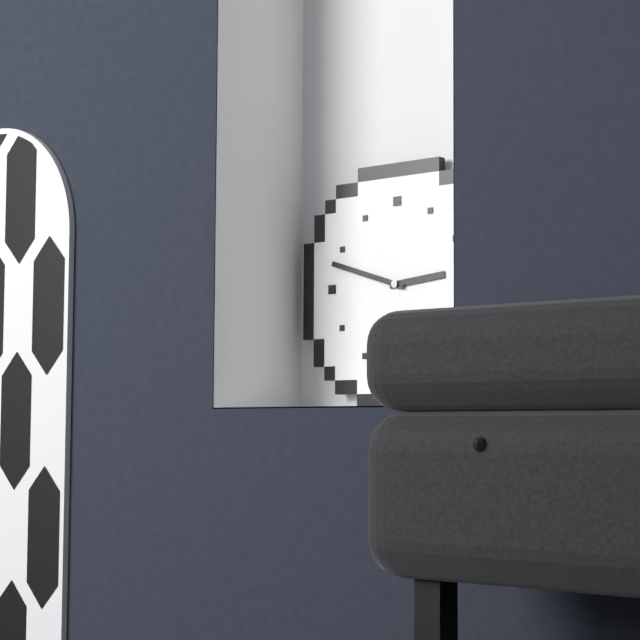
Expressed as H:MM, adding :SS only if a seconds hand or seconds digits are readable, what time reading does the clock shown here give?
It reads 2:48
